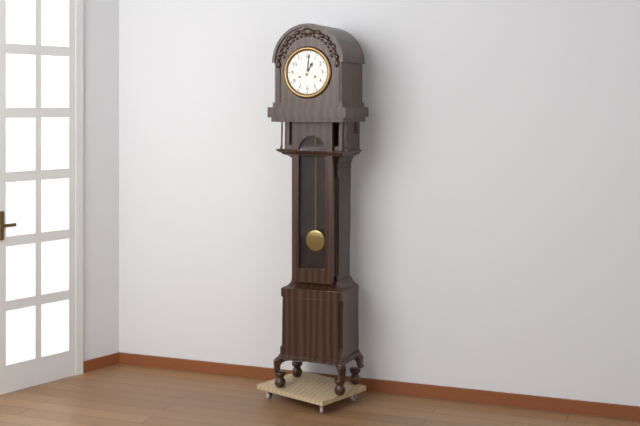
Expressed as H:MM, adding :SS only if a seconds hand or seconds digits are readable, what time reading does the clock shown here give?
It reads 1:01
